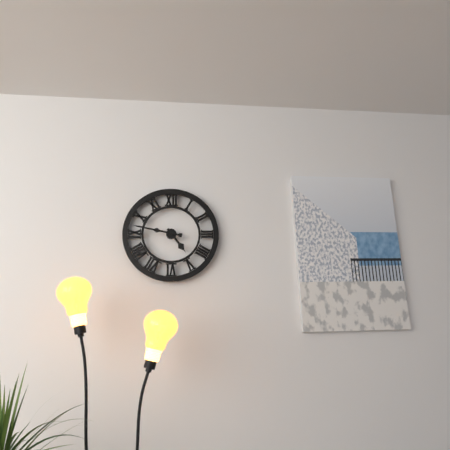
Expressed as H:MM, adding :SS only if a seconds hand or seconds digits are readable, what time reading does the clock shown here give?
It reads 4:47
